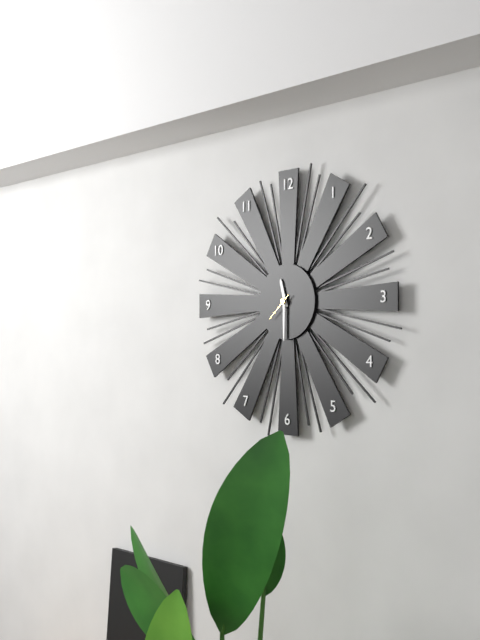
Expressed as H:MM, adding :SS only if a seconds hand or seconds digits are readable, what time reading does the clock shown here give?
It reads 11:30
